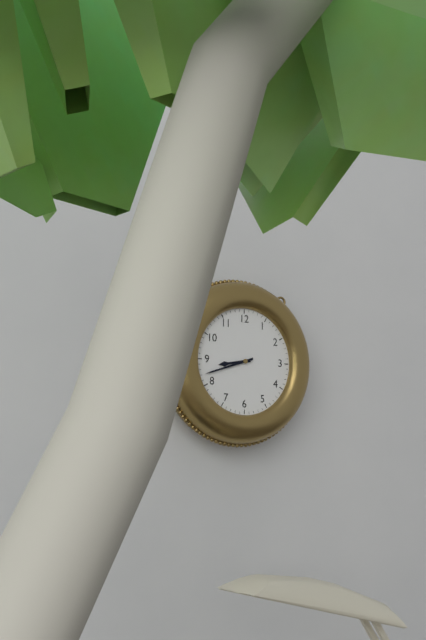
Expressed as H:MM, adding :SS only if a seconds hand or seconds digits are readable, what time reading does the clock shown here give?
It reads 8:42
